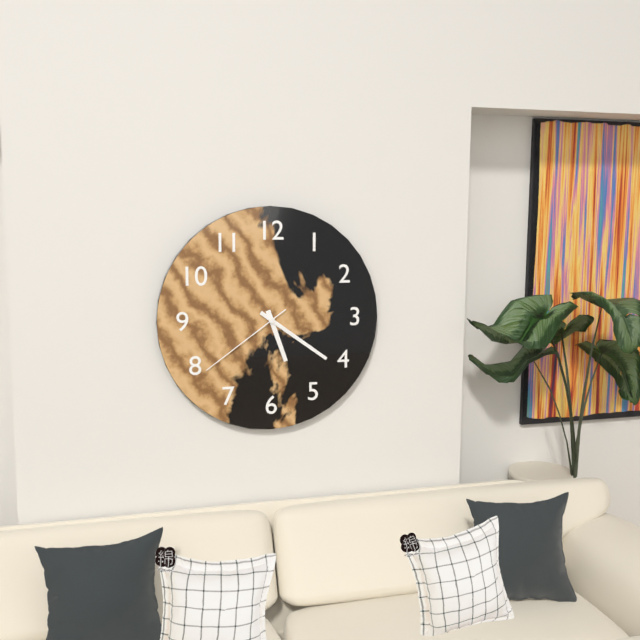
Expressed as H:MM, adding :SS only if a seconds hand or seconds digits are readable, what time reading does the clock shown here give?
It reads 5:21:39
